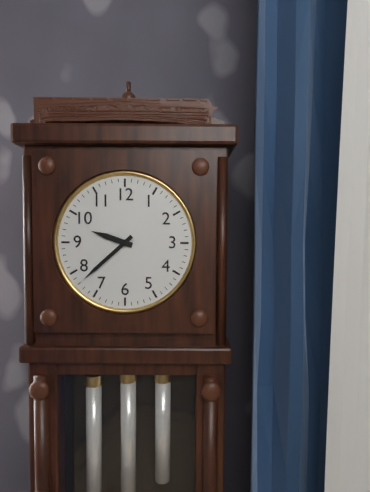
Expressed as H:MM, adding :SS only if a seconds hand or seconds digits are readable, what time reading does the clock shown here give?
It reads 9:38
